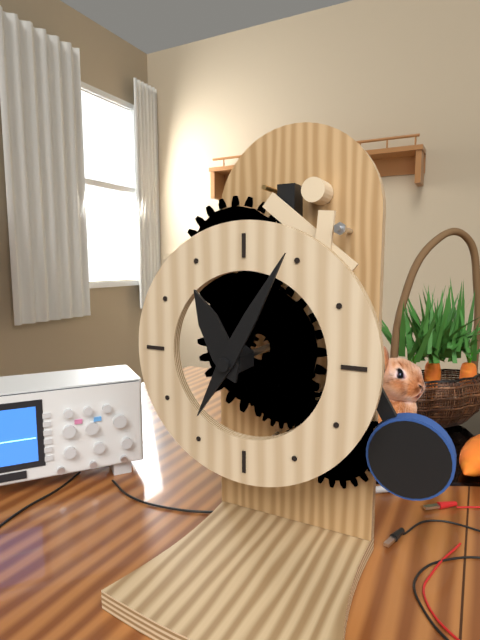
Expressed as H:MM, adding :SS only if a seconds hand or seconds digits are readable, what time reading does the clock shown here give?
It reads 11:05
